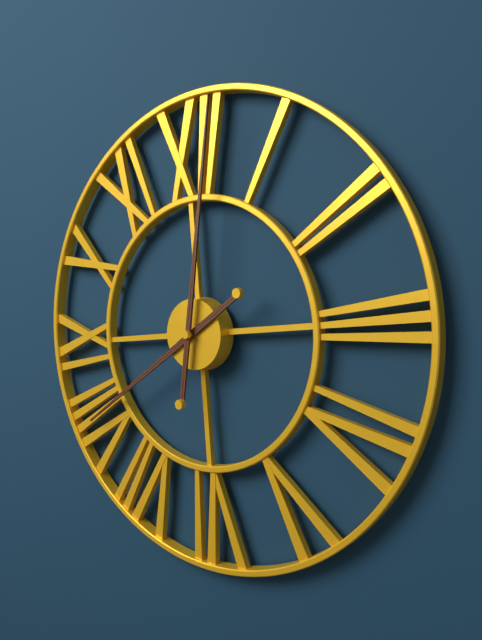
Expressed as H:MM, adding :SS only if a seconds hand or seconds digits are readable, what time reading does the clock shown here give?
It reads 8:02
